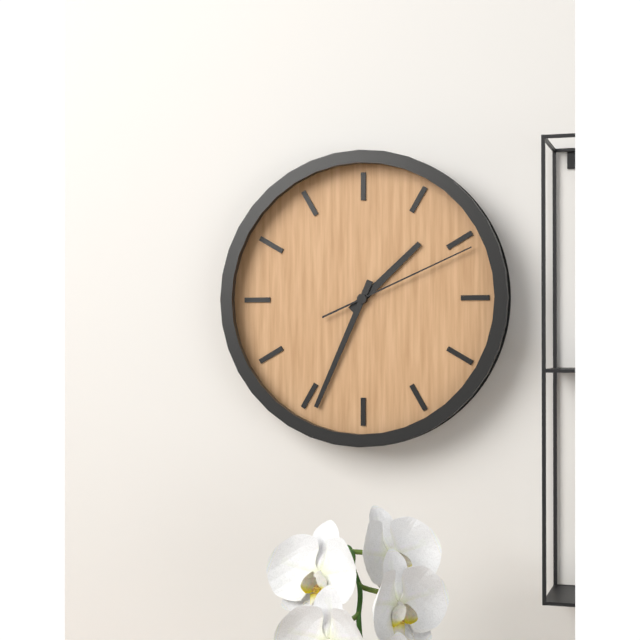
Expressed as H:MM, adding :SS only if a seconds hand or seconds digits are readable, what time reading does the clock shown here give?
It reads 1:34:11
